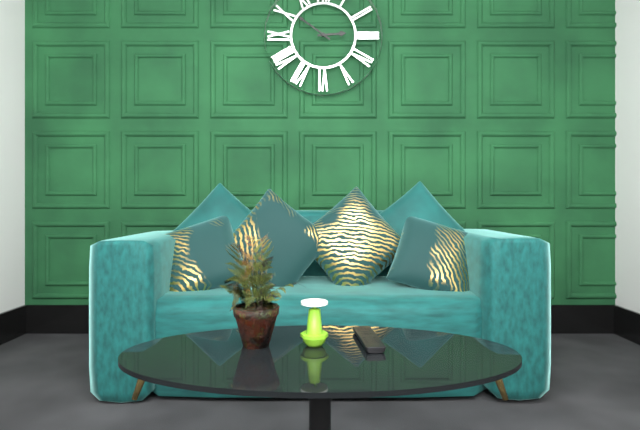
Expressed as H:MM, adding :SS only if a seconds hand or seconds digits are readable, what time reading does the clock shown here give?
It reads 2:51
